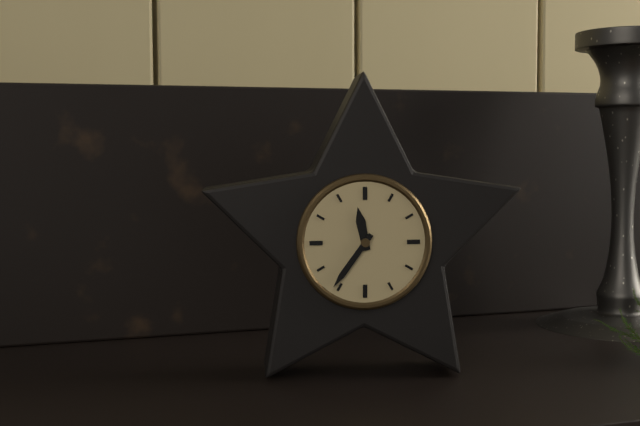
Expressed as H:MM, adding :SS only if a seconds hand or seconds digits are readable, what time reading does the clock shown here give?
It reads 11:36
